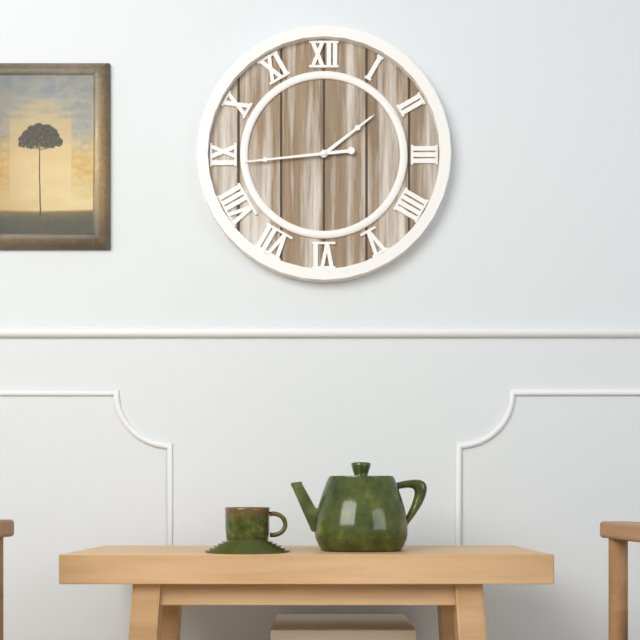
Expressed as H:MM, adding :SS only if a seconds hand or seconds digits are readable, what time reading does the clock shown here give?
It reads 1:44
